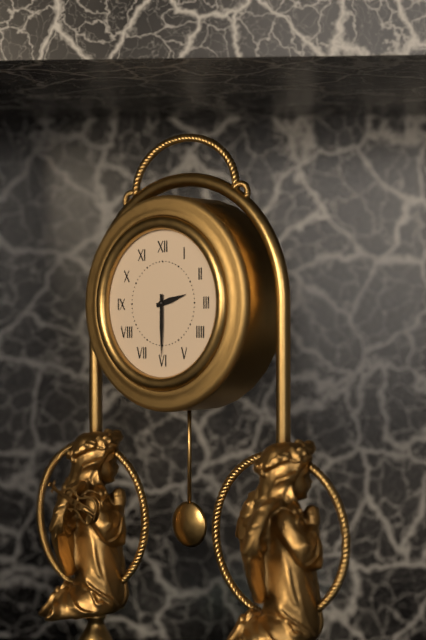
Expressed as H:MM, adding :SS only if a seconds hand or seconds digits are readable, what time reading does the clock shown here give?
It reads 2:30
